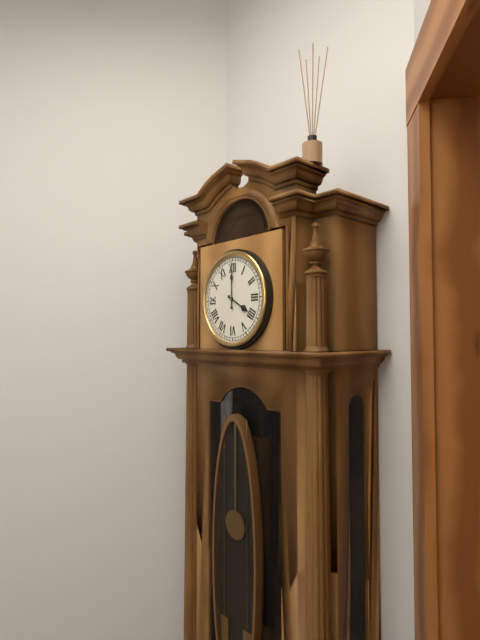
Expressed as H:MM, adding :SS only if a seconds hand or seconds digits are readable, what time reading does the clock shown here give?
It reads 4:00
